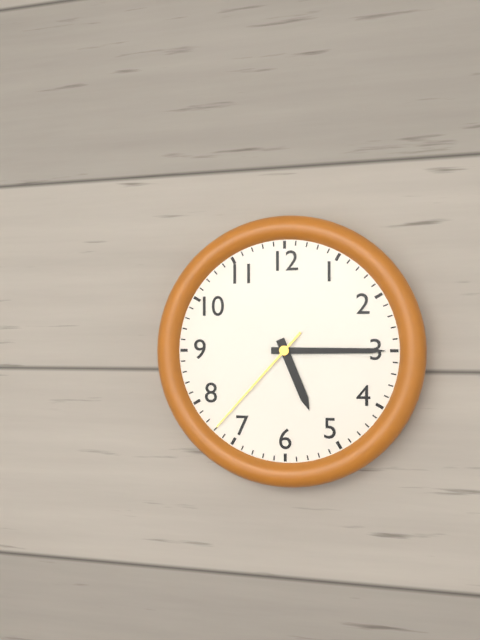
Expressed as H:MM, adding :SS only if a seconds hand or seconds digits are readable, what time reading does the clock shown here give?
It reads 5:15:37
